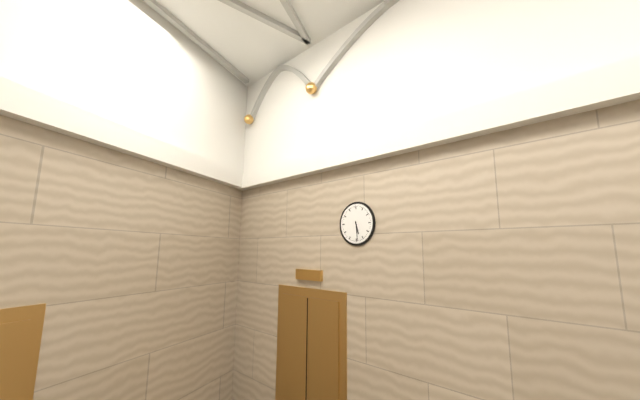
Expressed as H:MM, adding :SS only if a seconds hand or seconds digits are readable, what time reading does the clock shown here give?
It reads 5:29
